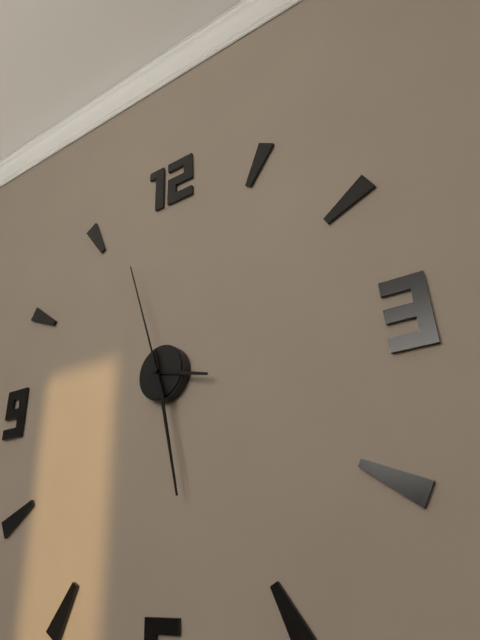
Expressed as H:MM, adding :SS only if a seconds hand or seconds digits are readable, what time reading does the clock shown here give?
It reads 3:28:57
